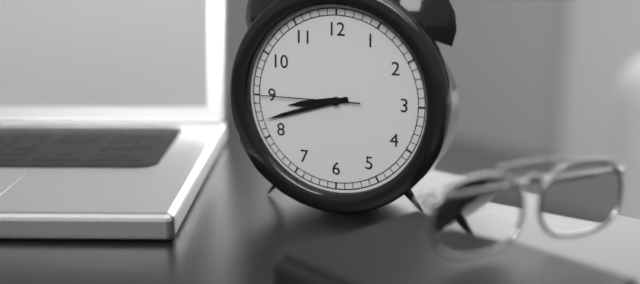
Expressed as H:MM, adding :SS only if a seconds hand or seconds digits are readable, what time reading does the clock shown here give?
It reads 8:42:45
